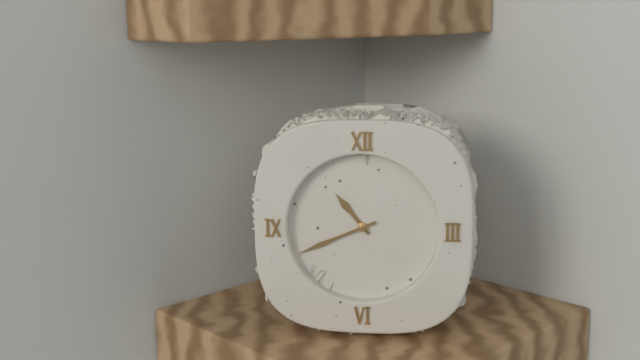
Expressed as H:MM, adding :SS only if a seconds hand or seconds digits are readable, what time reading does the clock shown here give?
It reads 10:41
